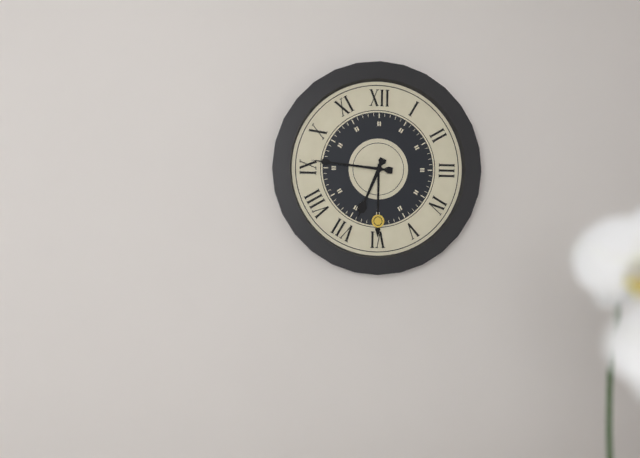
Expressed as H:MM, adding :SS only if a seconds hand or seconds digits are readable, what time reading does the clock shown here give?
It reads 6:46
